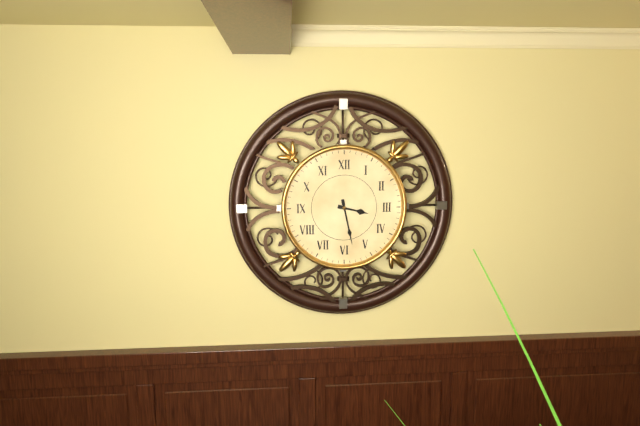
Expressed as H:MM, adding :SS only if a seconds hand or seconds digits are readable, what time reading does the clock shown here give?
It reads 3:28
